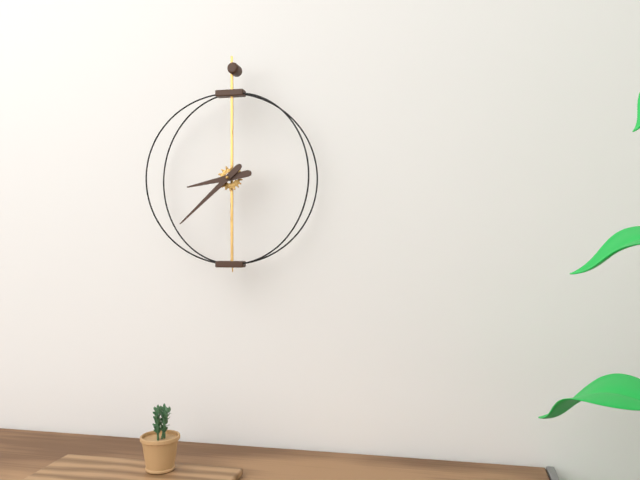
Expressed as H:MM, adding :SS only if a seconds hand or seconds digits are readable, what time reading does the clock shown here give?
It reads 8:38
